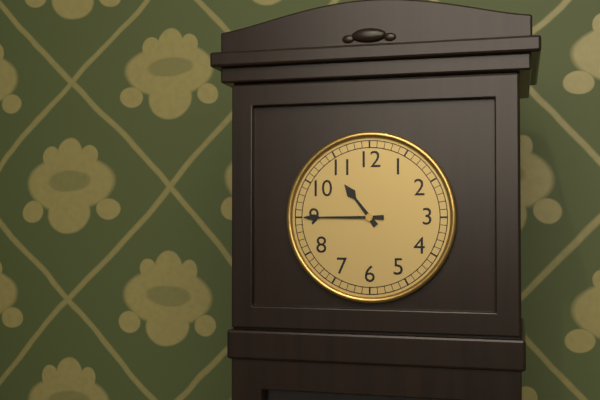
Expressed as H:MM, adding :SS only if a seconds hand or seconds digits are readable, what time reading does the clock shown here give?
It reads 10:45
